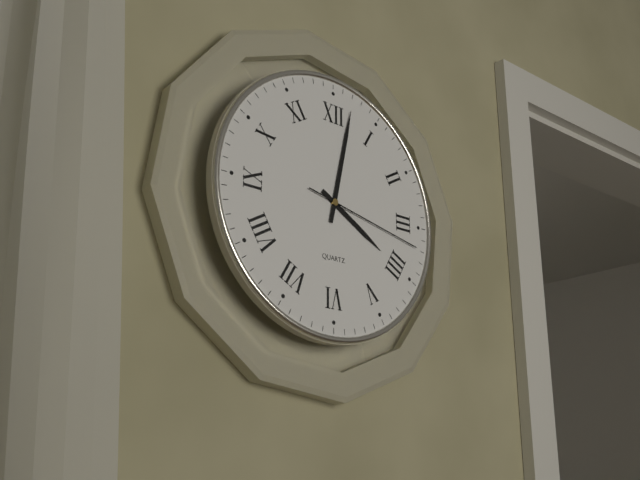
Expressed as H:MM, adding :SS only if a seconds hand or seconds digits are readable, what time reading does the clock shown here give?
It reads 4:02:17
